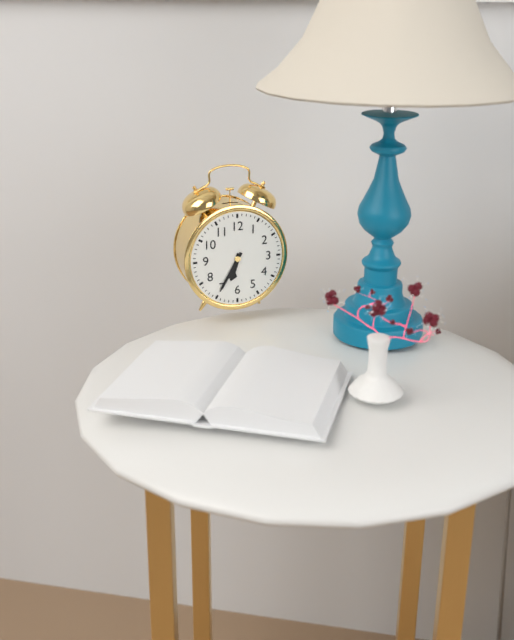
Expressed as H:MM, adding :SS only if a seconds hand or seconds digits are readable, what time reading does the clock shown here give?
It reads 6:35
